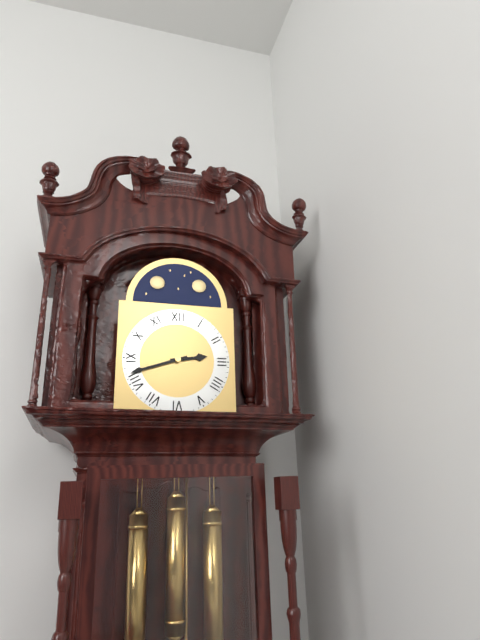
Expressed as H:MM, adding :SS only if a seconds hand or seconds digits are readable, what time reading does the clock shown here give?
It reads 2:42
